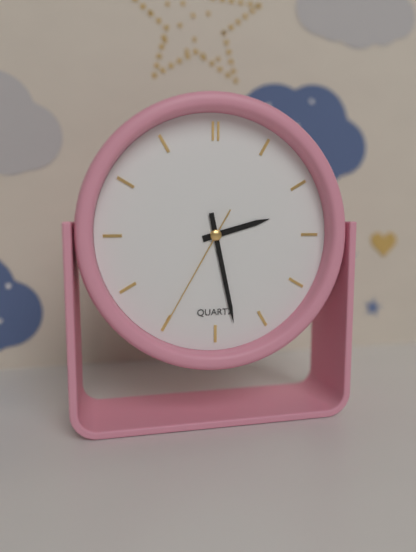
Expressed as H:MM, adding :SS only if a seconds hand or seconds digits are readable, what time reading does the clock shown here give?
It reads 2:28:35
